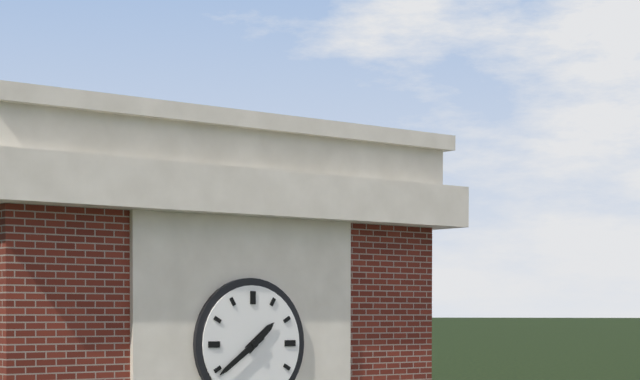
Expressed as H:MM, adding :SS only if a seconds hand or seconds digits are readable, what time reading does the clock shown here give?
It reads 1:39
